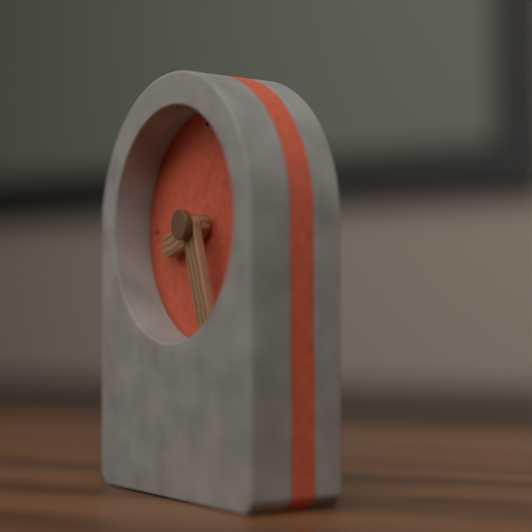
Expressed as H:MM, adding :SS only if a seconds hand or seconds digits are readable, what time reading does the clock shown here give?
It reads 8:27
